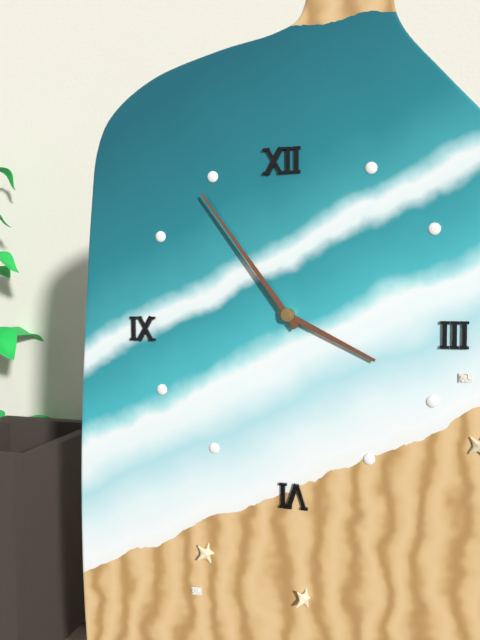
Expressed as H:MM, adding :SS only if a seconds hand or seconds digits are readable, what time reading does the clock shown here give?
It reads 3:54
